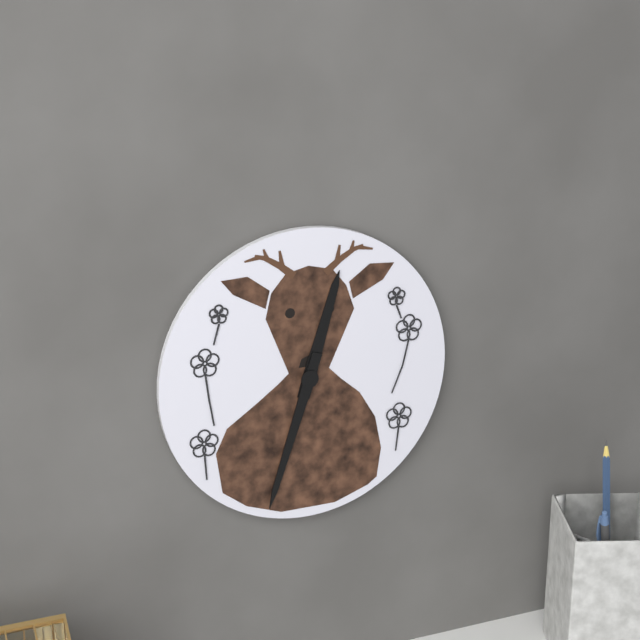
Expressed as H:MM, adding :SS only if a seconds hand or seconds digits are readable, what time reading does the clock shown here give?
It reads 12:33
